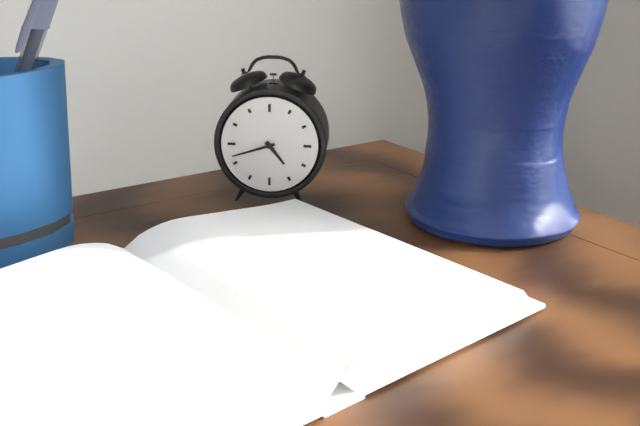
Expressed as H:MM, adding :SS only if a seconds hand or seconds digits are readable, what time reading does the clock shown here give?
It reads 4:42
